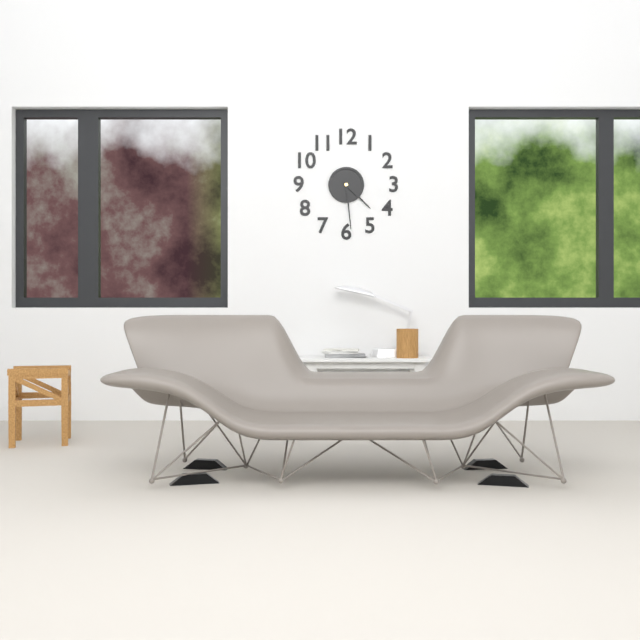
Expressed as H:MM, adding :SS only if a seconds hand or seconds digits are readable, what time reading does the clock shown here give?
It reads 4:29
